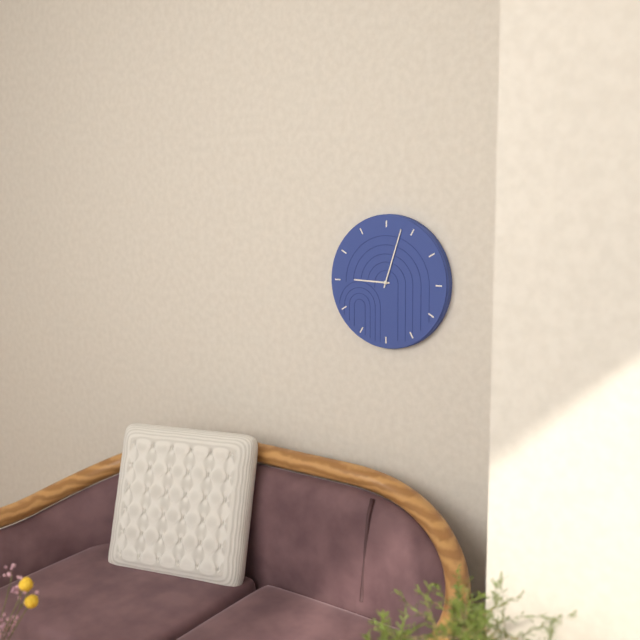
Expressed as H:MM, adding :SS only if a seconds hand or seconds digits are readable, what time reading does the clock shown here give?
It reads 9:03
